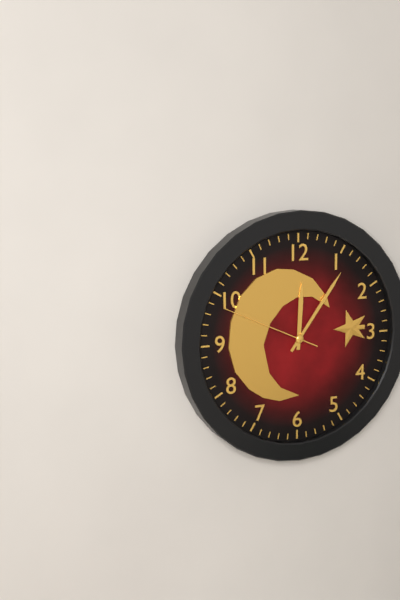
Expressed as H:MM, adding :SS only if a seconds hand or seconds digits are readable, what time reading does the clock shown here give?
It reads 12:06:49
